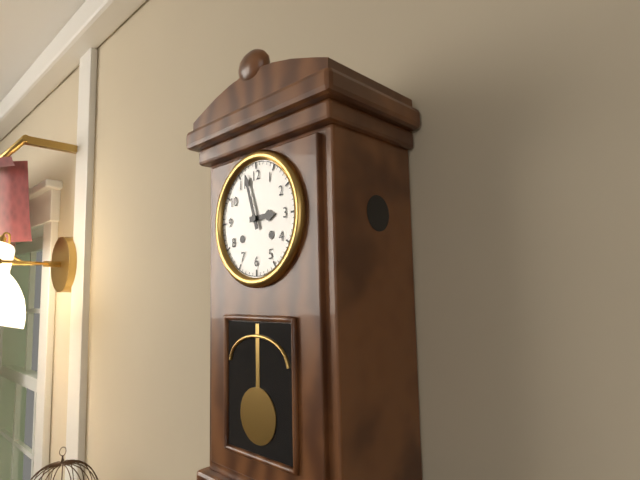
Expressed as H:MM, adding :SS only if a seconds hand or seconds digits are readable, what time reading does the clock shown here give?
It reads 2:57
